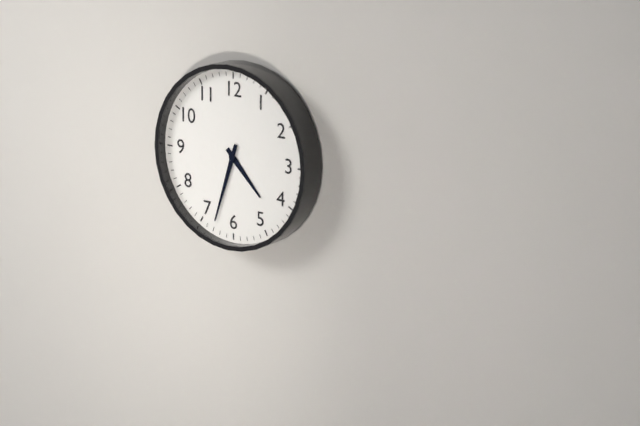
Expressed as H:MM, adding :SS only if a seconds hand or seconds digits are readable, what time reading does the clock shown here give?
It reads 4:33
